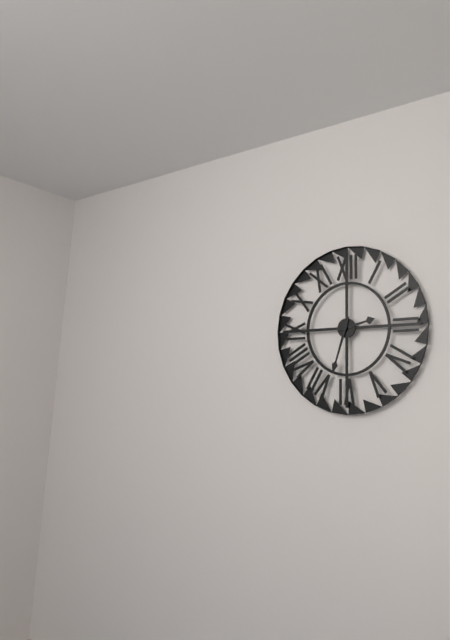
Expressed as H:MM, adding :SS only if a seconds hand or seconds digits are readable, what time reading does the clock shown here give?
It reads 2:33
